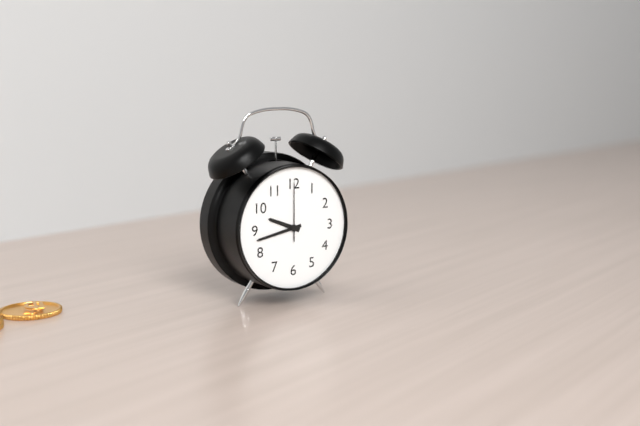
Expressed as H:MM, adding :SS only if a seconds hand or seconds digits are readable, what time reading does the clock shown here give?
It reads 9:43:00
